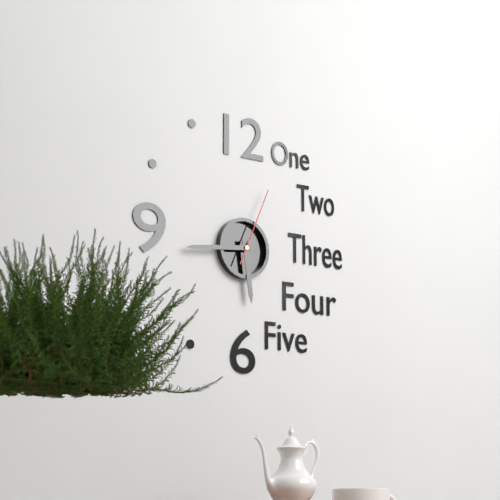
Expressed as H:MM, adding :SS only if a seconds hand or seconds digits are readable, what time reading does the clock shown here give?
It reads 5:44:04
